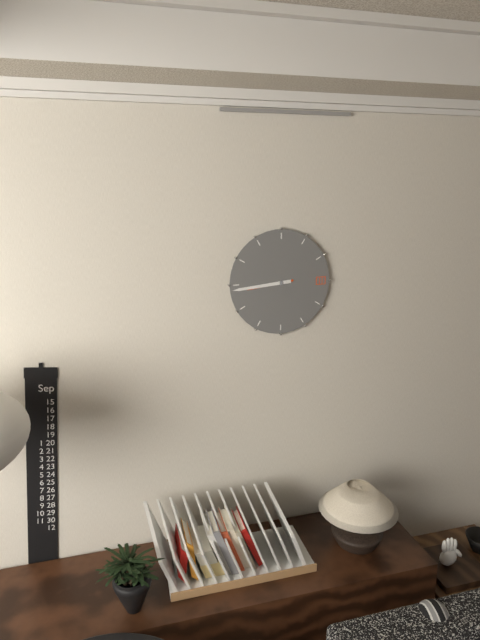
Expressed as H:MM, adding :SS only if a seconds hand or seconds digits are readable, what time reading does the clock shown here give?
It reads 8:44
